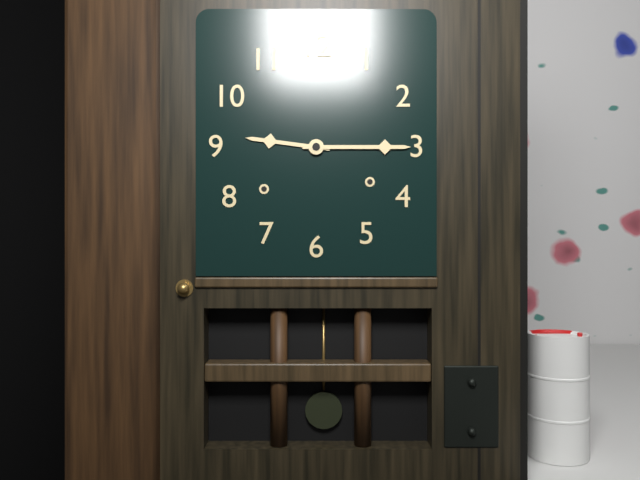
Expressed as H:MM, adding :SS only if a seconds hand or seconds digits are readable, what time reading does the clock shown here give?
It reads 9:15
